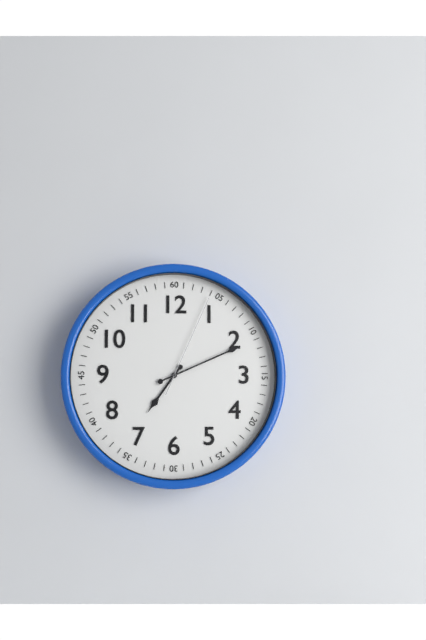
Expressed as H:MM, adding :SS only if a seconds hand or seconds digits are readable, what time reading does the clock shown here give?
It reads 7:11:04
